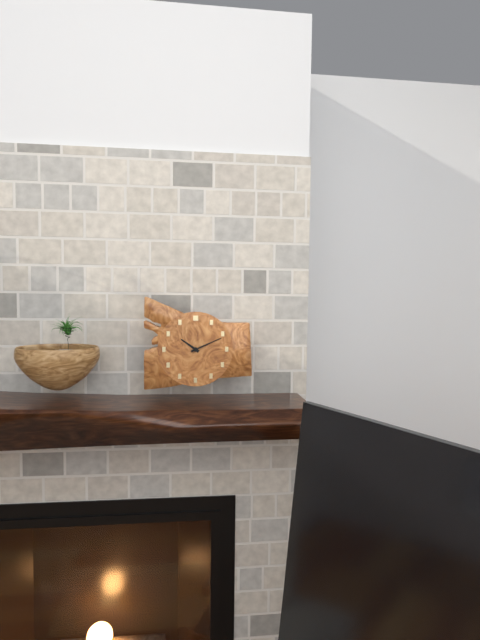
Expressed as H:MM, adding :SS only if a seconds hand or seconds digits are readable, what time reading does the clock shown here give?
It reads 10:11
